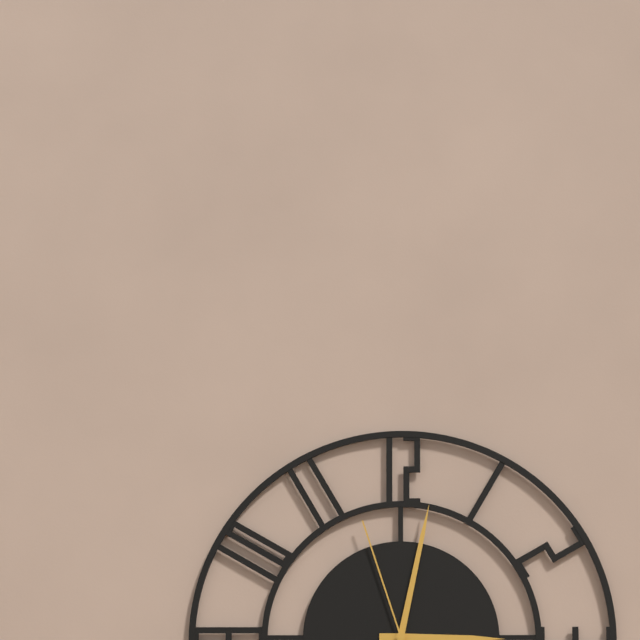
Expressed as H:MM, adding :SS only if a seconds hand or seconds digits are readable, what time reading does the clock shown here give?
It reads 3:02:57
